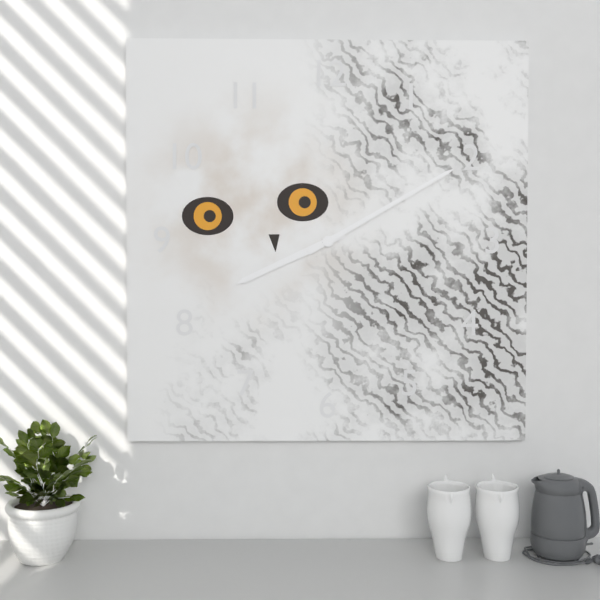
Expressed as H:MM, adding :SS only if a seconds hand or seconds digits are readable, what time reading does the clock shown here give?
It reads 8:10
